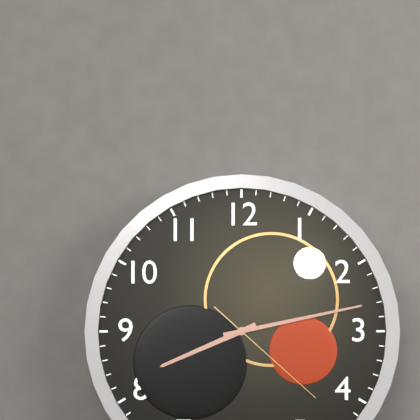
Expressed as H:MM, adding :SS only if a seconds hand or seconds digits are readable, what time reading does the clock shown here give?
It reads 8:13:22
